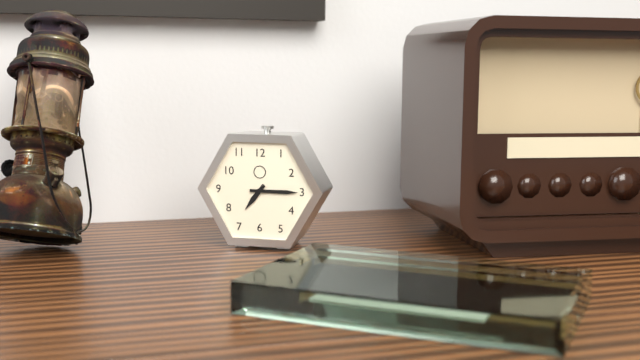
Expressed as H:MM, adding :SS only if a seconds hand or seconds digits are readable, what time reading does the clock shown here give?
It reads 7:15
